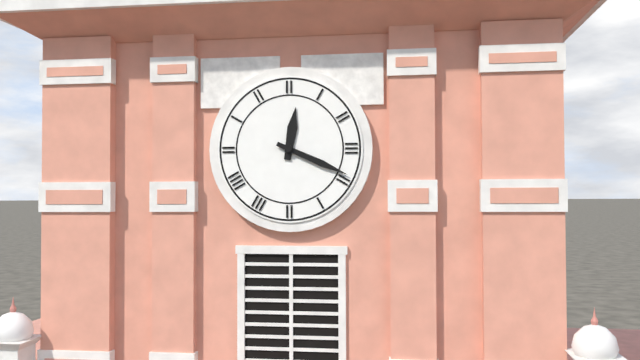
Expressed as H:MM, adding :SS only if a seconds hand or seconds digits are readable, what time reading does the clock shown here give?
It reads 12:19
